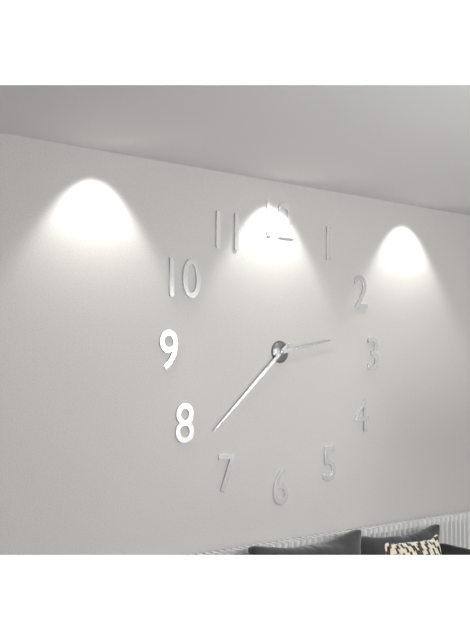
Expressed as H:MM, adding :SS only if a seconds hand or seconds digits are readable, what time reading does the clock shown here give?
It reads 2:38
